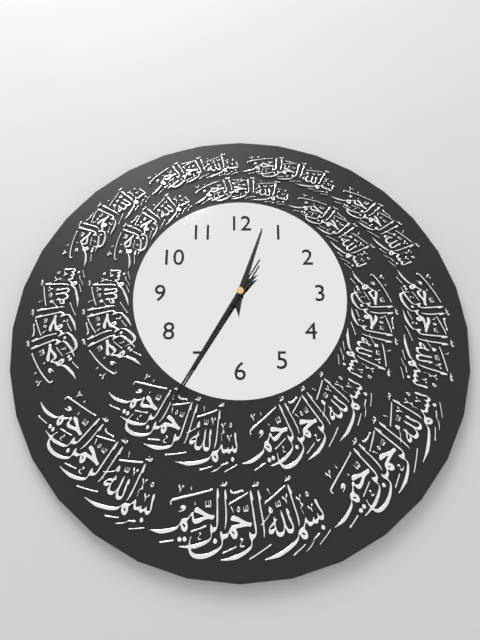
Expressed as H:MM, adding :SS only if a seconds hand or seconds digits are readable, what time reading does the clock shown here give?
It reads 12:35:35
